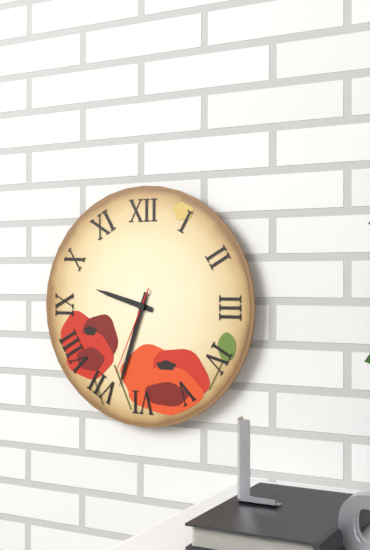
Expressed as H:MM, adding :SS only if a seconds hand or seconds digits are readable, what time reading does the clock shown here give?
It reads 9:33:34
